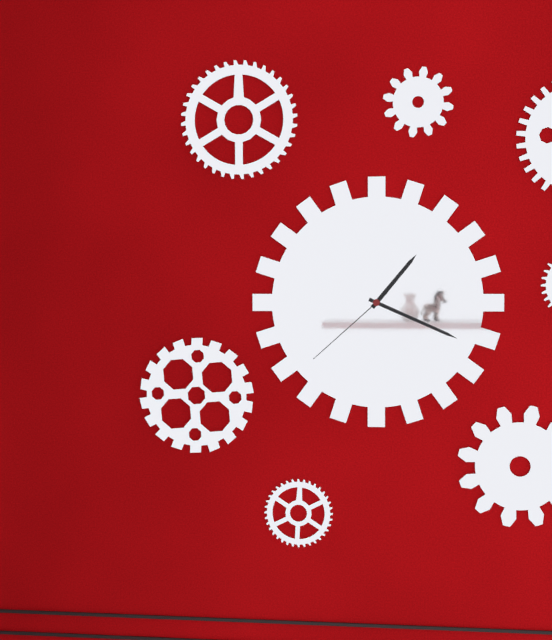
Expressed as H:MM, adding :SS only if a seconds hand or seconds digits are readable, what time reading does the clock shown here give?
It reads 1:19:38
